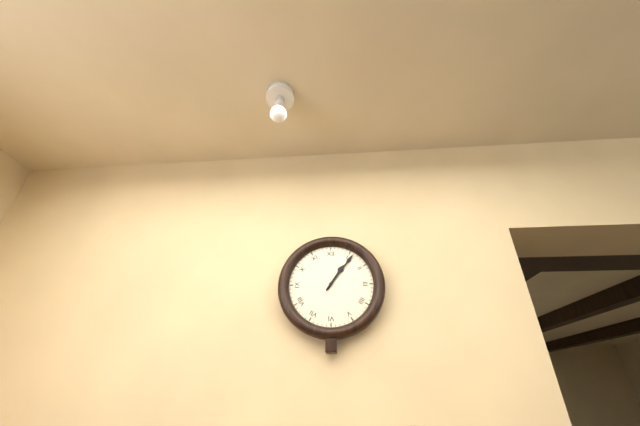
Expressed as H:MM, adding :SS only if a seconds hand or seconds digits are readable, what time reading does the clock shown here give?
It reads 1:06
